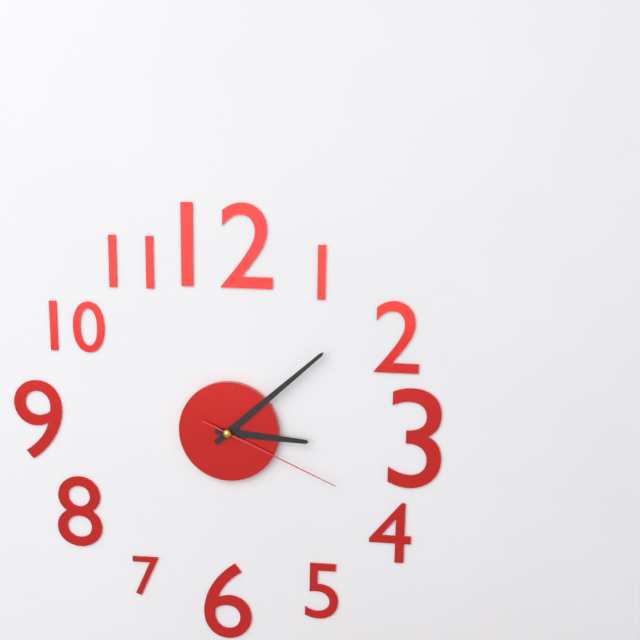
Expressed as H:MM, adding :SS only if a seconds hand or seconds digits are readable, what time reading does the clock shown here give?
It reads 3:08:19
